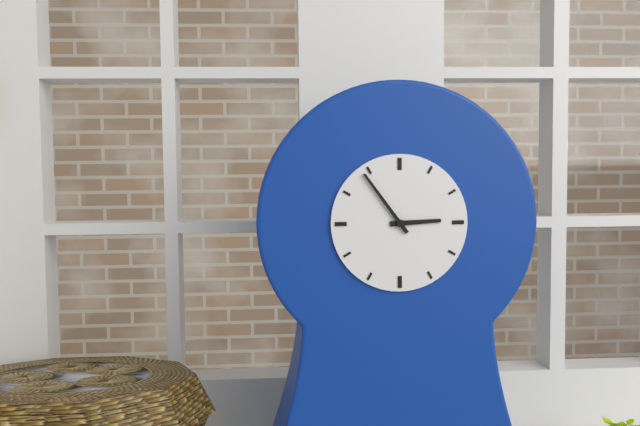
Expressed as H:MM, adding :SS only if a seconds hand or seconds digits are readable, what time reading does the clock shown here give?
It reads 2:54
